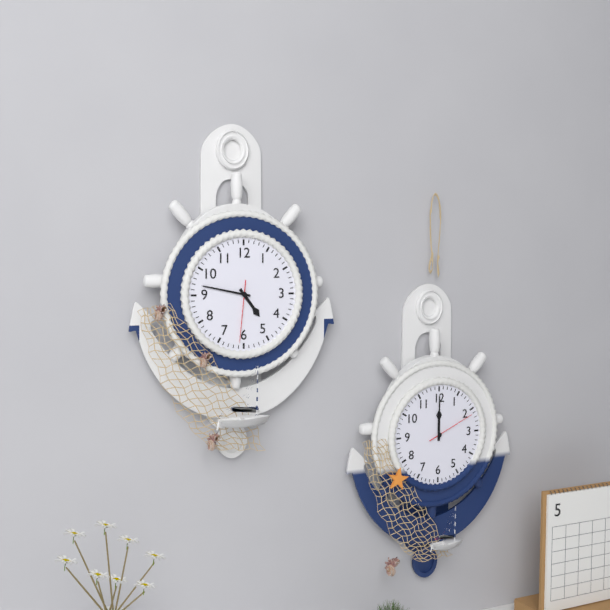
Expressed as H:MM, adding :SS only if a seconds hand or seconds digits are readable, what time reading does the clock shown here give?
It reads 4:47:31
